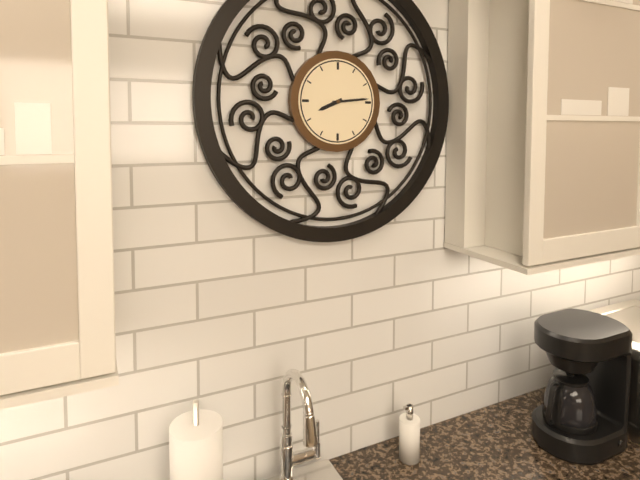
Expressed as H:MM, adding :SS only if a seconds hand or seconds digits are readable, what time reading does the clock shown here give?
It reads 8:14
